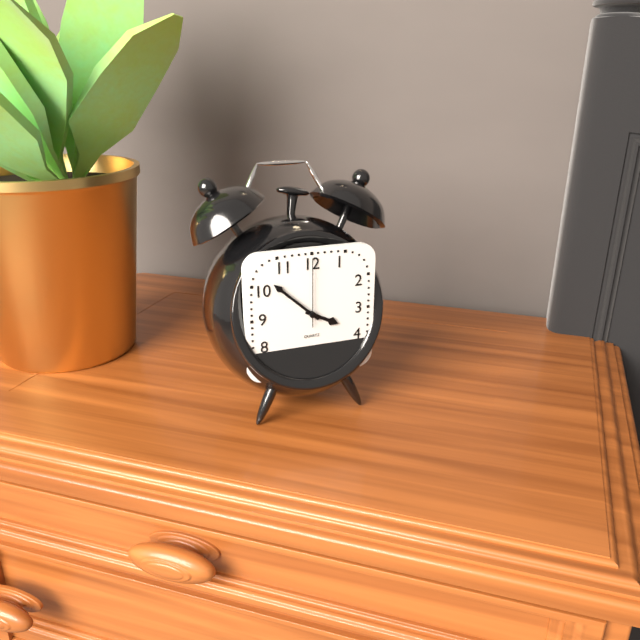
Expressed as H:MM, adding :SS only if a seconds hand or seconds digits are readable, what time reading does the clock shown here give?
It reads 3:52:00
